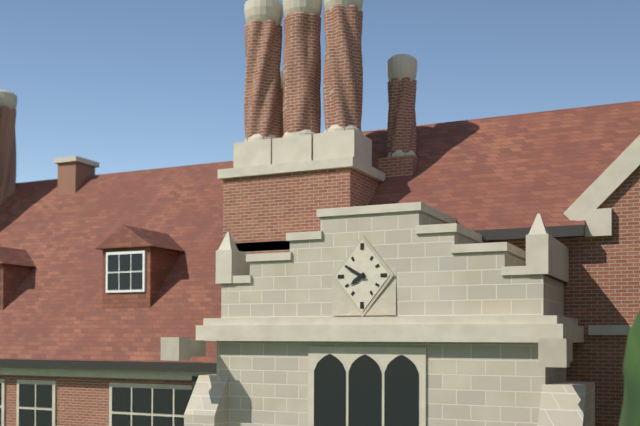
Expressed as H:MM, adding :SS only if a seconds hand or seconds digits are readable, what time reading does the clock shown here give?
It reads 7:50
